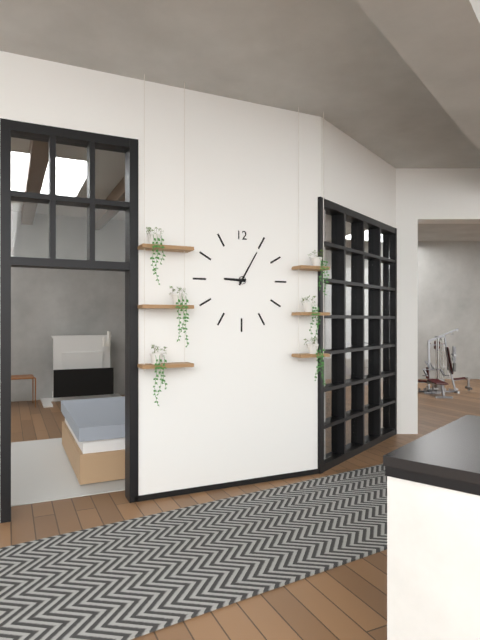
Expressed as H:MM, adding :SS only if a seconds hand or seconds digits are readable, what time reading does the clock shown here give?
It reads 9:05
